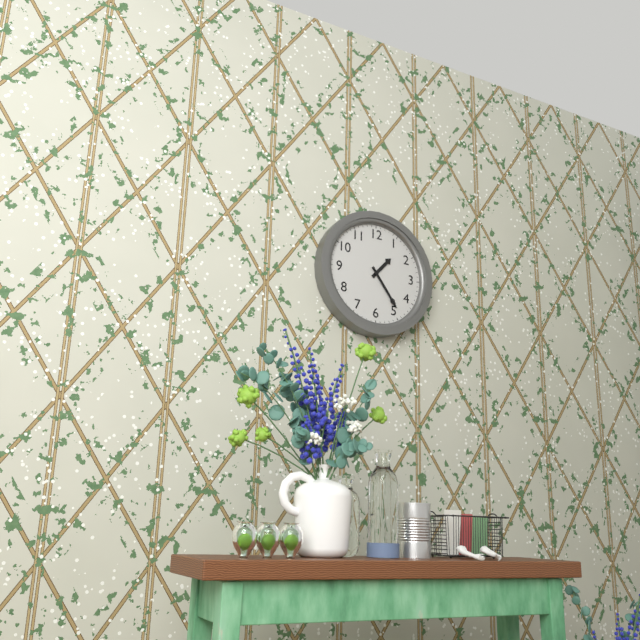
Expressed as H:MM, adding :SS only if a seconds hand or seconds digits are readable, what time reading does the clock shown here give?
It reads 1:24
